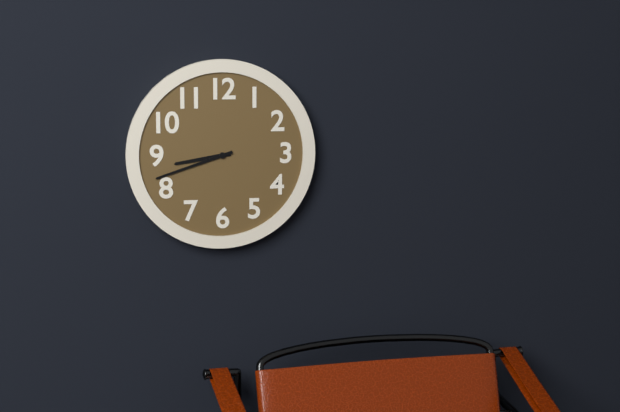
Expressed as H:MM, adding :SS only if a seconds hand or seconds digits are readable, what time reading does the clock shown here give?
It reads 8:42
